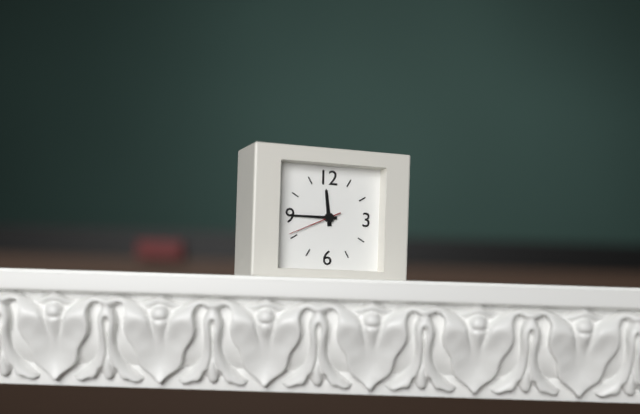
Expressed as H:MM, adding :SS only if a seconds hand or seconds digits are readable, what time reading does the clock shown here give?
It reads 11:45:41
